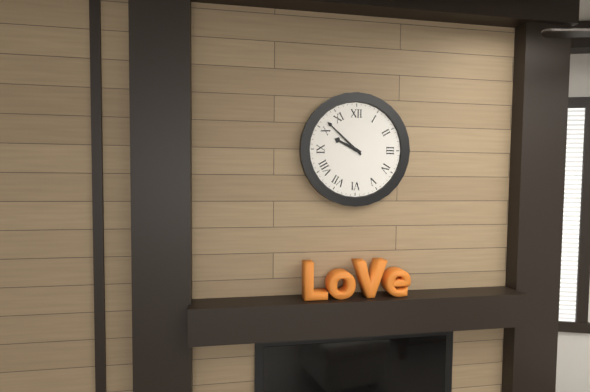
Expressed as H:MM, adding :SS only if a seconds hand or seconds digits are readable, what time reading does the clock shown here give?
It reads 9:52
